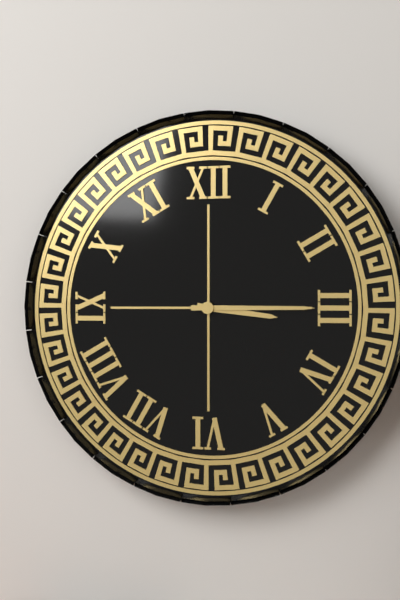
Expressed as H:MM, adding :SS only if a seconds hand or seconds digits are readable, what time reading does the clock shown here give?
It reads 3:15
